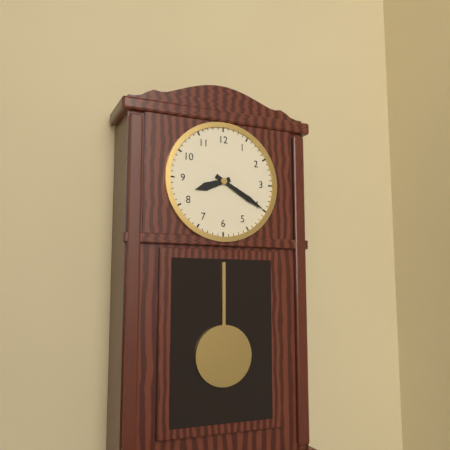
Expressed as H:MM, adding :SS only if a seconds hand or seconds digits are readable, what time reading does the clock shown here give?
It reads 8:20
